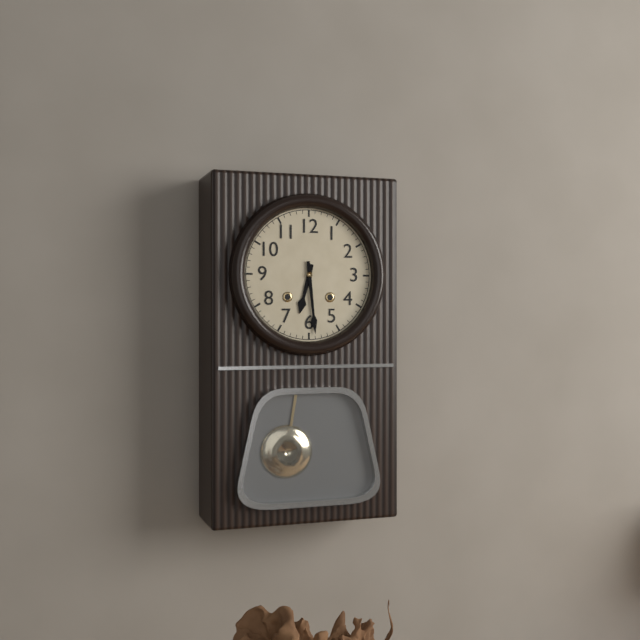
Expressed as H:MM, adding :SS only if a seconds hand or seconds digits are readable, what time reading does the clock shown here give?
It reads 6:29
